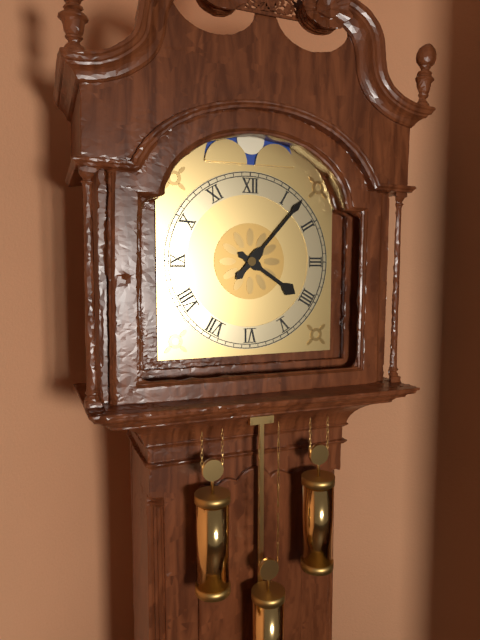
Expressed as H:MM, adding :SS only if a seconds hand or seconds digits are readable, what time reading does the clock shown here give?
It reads 4:07
